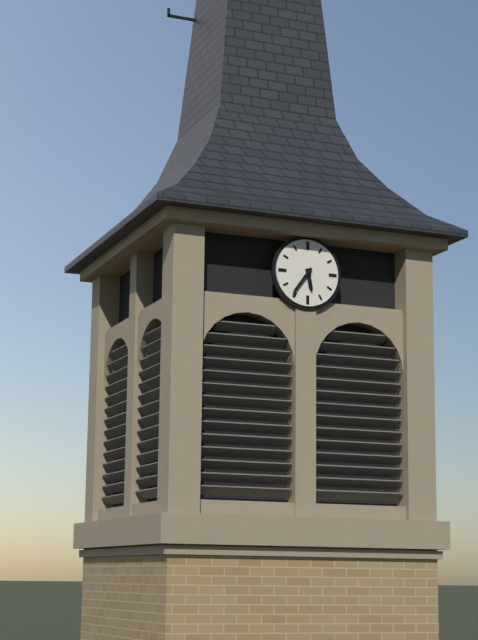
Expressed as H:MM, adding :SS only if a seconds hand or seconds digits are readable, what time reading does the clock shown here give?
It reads 5:36
